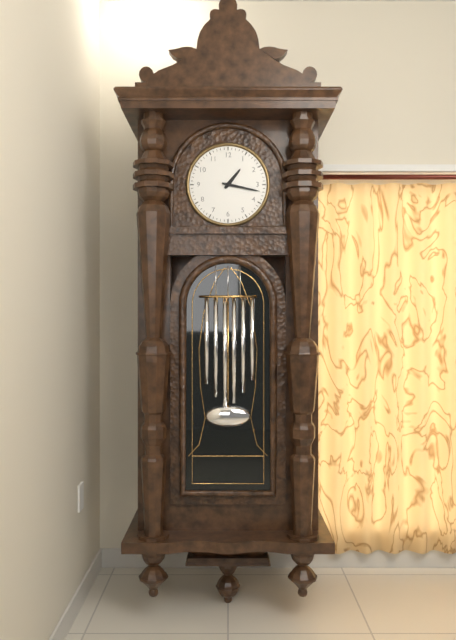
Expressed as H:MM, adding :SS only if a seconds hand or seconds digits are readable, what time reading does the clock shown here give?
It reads 1:17
